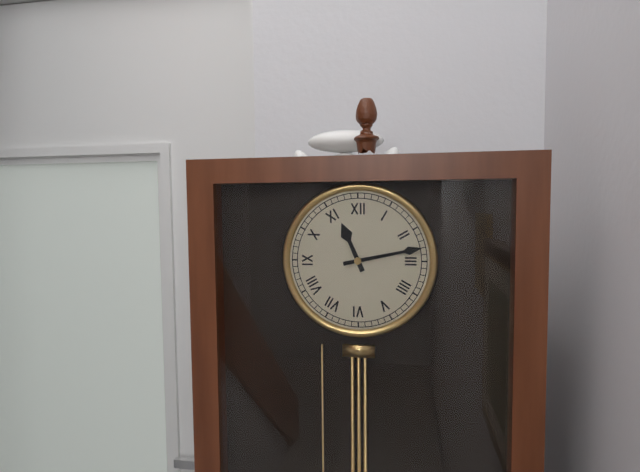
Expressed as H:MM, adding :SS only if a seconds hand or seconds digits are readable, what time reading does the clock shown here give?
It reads 11:13
